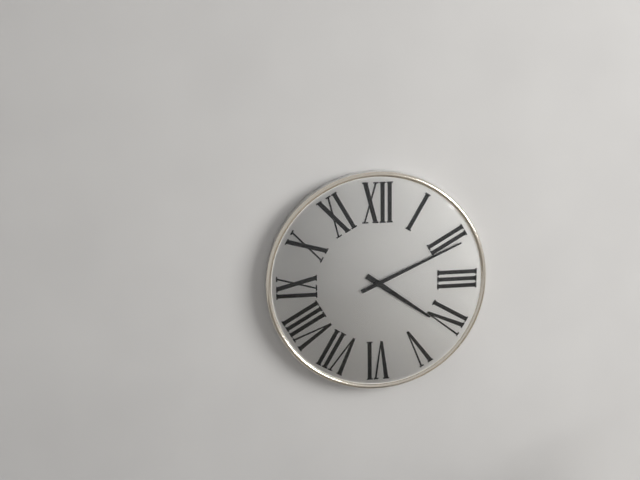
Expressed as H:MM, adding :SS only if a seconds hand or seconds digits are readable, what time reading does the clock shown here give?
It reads 4:11
